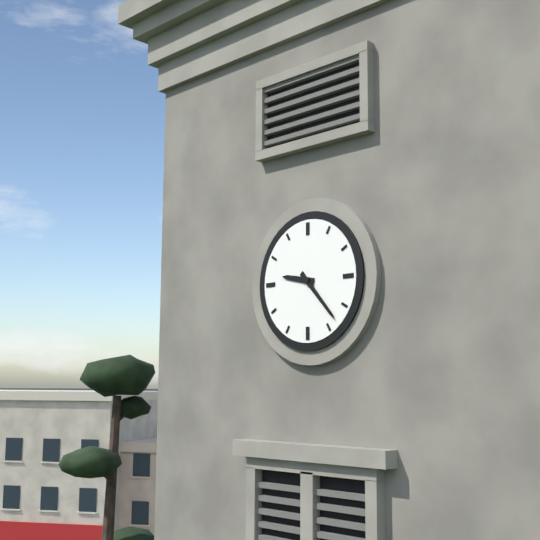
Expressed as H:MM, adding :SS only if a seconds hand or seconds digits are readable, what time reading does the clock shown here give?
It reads 9:23
